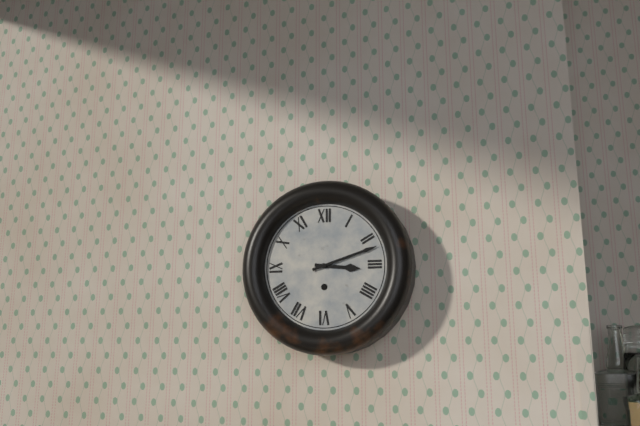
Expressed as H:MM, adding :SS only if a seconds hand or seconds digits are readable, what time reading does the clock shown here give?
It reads 3:12
